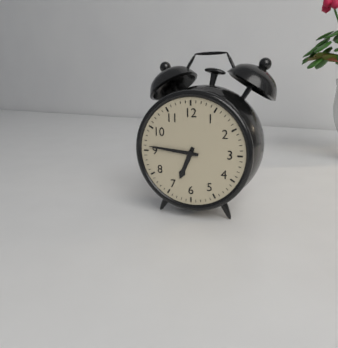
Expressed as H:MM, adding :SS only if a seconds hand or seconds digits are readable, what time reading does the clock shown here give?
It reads 6:46
